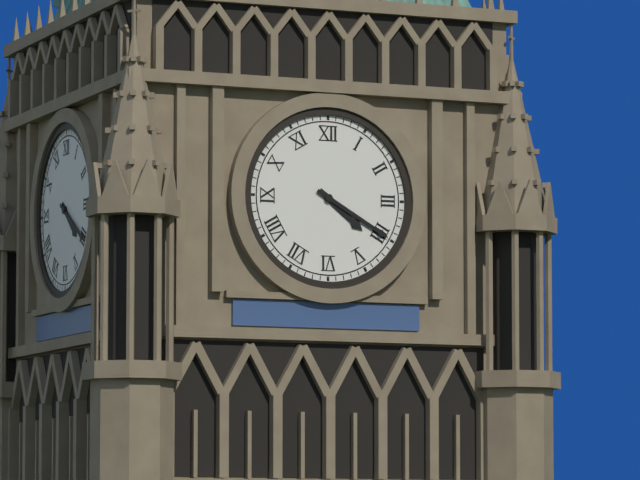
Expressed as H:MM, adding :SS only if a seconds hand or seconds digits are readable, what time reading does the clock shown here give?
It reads 4:20
